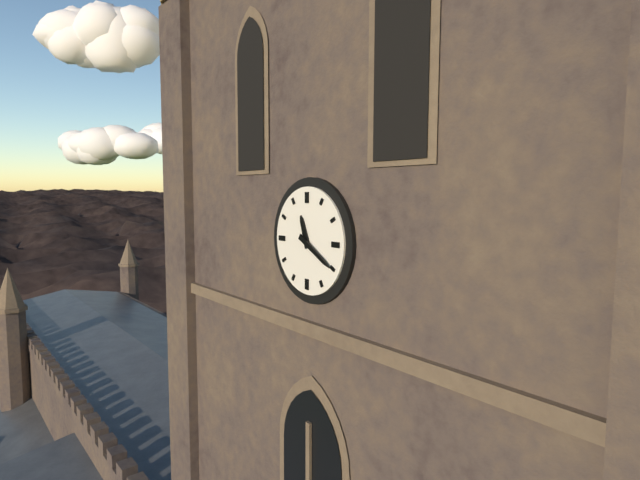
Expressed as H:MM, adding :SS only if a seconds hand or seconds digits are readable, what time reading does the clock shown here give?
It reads 11:20
